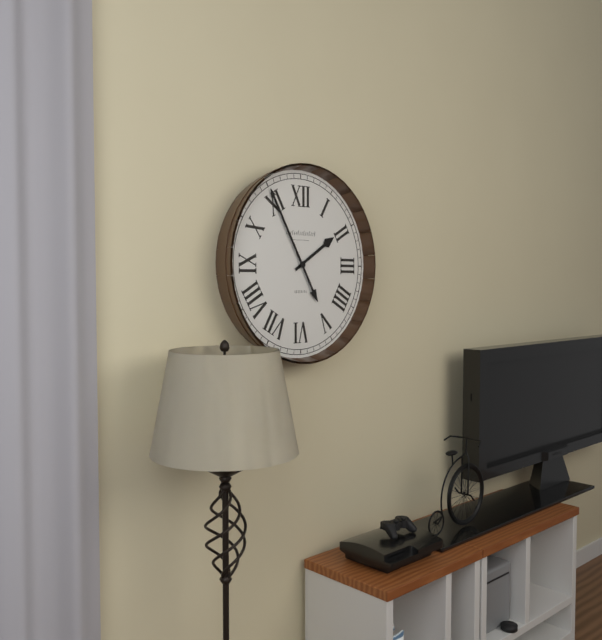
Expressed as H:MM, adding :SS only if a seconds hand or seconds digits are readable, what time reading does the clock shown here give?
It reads 1:55
